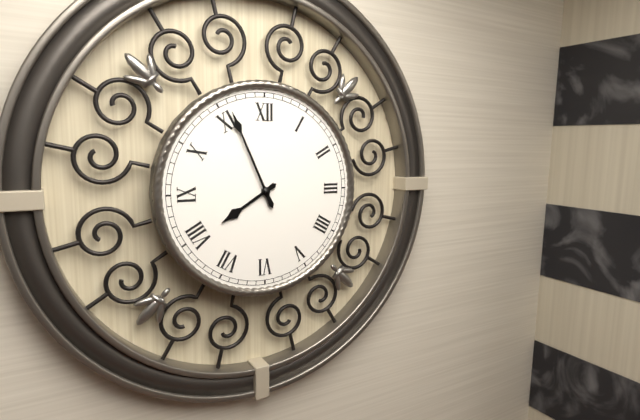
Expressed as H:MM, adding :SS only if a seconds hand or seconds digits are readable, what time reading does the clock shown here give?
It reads 7:56
